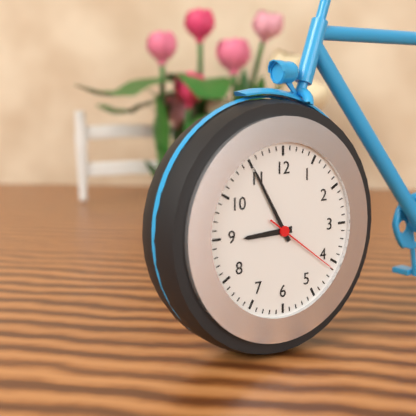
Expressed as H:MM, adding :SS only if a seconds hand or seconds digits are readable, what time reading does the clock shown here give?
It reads 8:55:21
